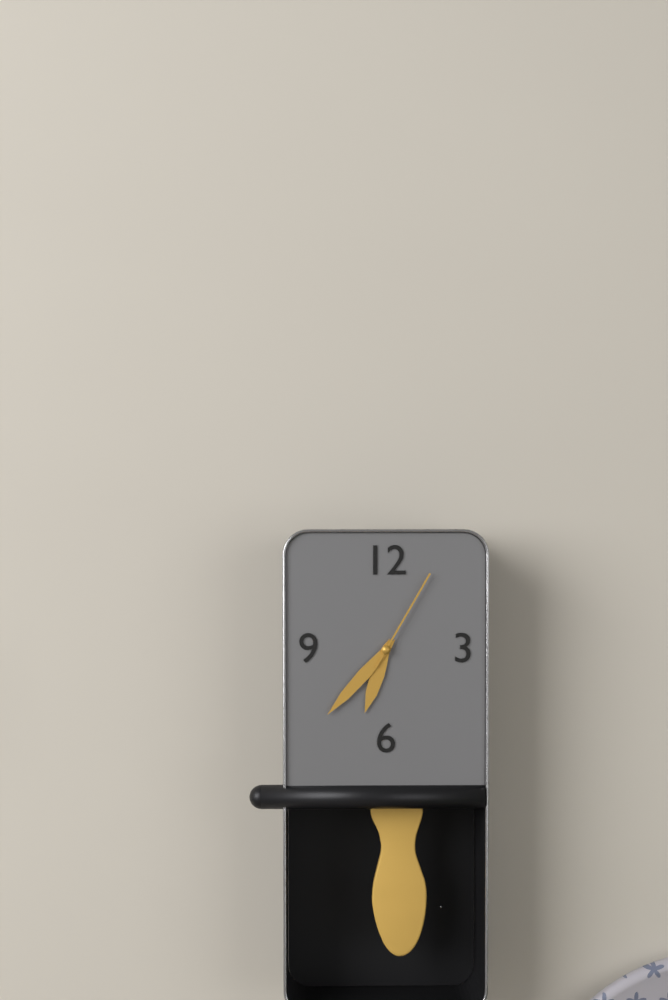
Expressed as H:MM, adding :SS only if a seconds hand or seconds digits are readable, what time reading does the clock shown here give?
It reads 6:37:05
